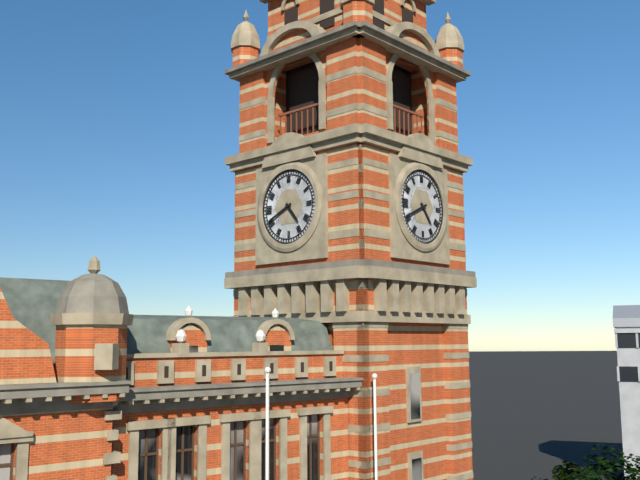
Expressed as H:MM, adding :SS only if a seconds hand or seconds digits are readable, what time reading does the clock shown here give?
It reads 4:41
